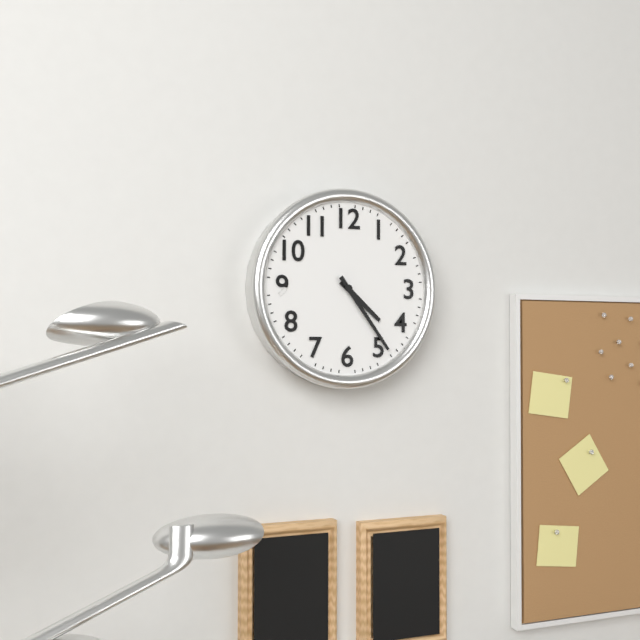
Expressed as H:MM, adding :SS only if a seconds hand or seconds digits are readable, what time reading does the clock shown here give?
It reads 4:24
